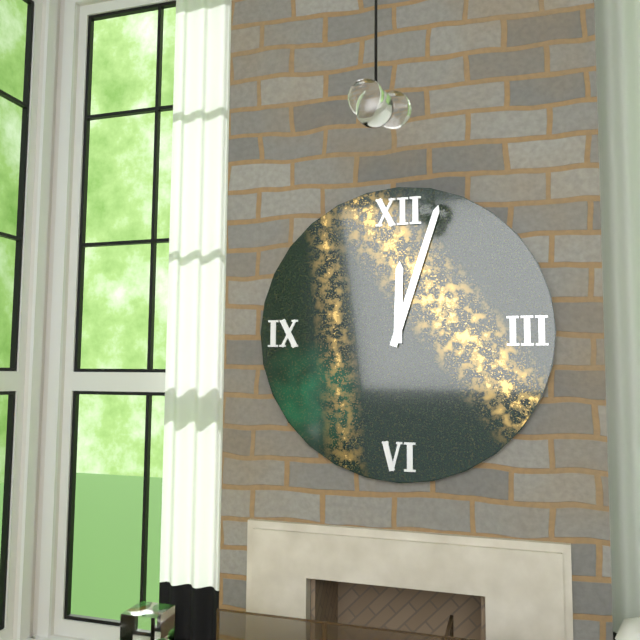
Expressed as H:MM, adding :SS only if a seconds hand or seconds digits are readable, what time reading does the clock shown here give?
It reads 12:03
